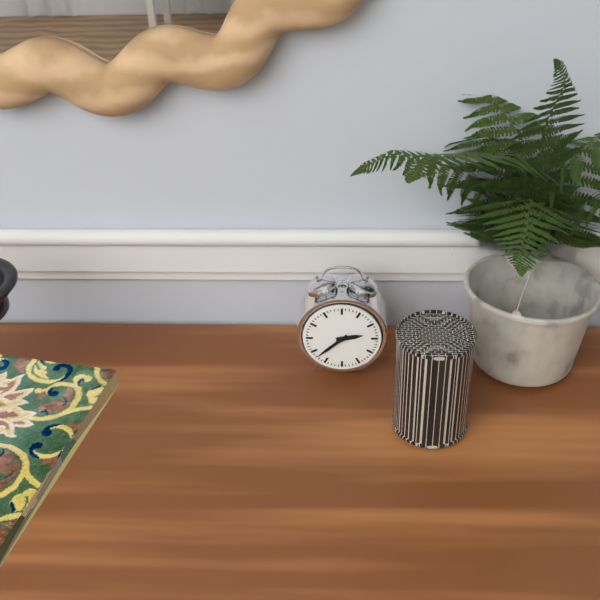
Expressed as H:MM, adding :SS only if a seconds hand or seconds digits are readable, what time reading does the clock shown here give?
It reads 2:38
